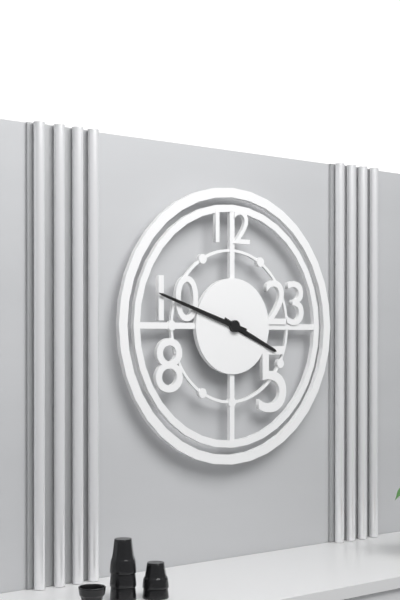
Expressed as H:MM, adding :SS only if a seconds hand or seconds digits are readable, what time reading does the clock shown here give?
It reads 3:48
